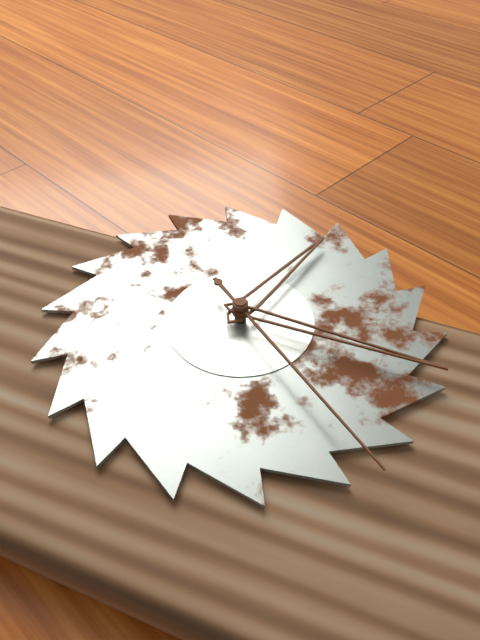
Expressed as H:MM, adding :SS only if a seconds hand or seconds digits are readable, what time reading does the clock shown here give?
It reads 3:30:36
